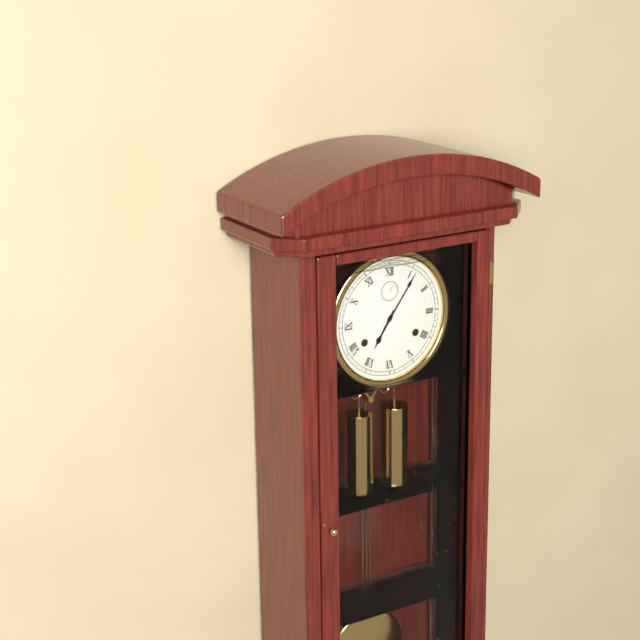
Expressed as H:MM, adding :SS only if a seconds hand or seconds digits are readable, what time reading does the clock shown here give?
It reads 7:06
